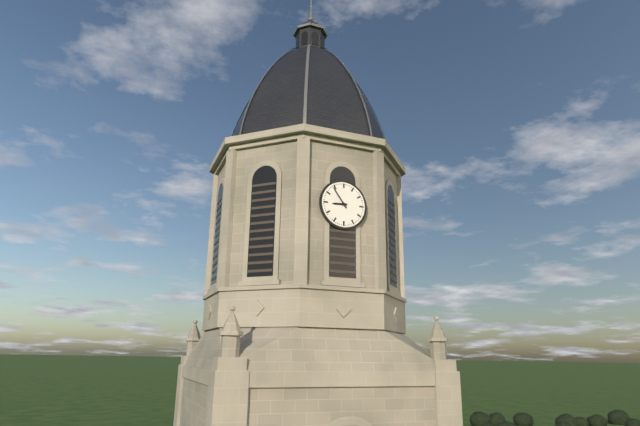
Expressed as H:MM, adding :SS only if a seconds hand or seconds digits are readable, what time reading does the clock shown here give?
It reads 8:54
